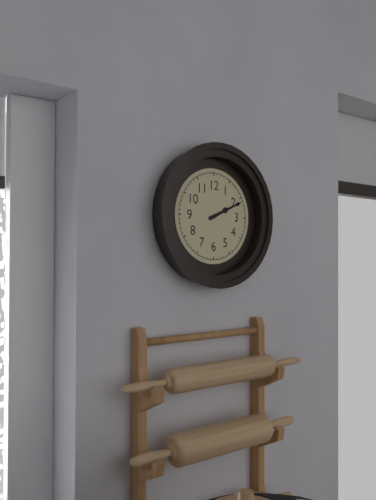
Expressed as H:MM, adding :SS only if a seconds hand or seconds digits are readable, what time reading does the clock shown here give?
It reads 2:11
